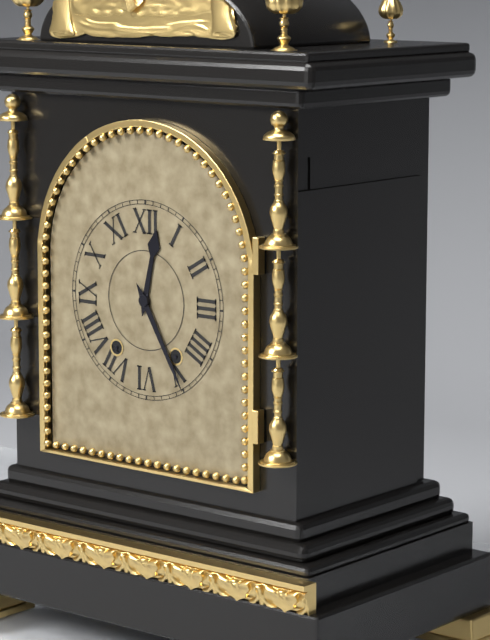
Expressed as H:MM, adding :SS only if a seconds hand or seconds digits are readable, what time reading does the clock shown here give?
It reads 12:25
